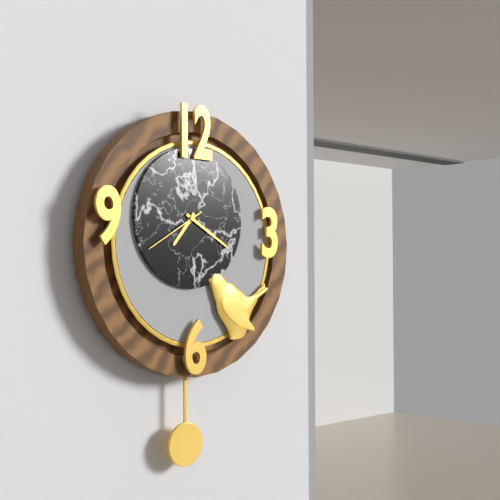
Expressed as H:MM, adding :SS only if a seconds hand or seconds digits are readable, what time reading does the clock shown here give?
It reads 7:20:40
